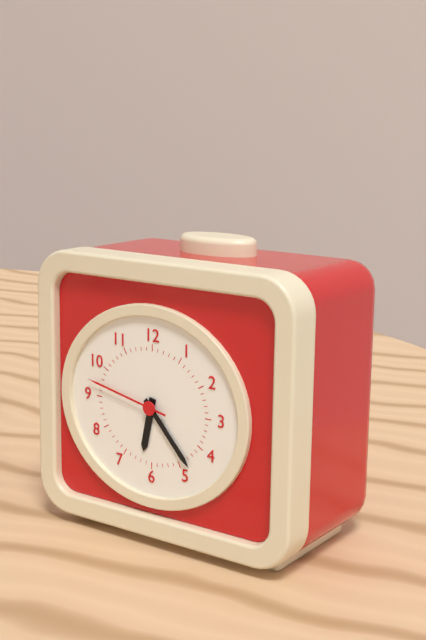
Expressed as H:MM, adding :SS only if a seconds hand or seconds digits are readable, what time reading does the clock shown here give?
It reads 6:23:47
